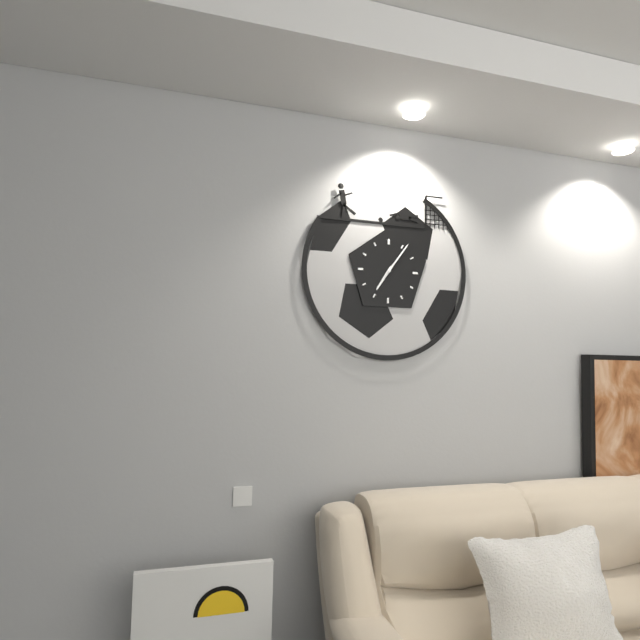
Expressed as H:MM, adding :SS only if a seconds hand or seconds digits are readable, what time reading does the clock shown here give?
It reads 7:06
